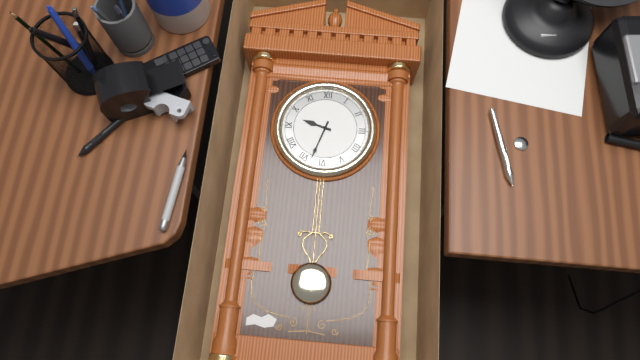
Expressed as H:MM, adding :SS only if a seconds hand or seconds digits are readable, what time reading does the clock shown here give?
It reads 9:33
